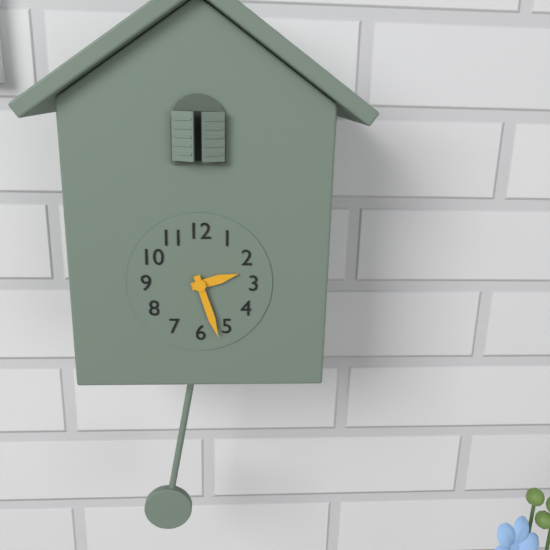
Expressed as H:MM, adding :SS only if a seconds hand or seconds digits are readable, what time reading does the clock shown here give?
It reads 2:27
